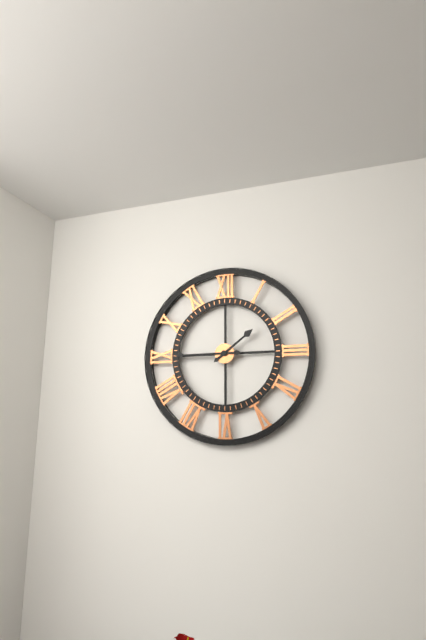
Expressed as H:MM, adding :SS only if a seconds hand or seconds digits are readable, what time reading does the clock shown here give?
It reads 1:45
